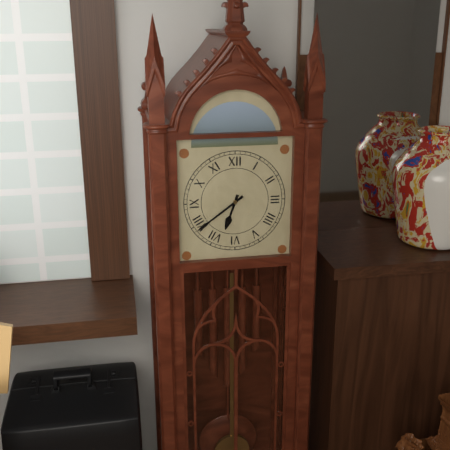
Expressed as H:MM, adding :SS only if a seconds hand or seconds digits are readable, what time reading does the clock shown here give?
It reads 6:39
